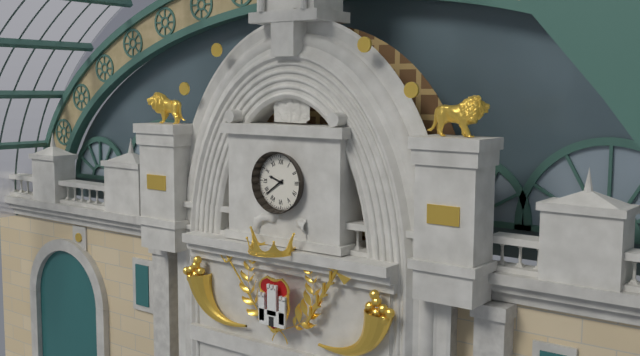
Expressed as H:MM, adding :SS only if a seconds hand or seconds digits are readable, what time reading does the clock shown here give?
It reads 9:39
